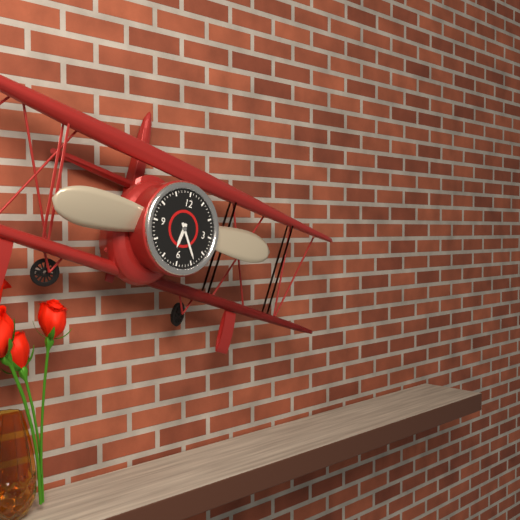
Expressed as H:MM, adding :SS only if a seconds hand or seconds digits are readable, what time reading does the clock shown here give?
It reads 6:24
